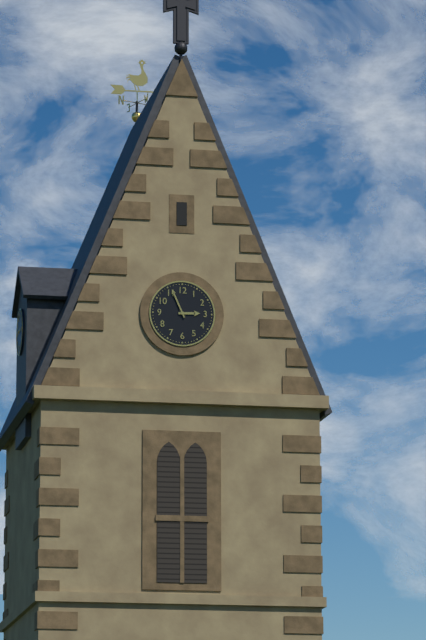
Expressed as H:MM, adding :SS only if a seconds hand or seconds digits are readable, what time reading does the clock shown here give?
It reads 2:56
